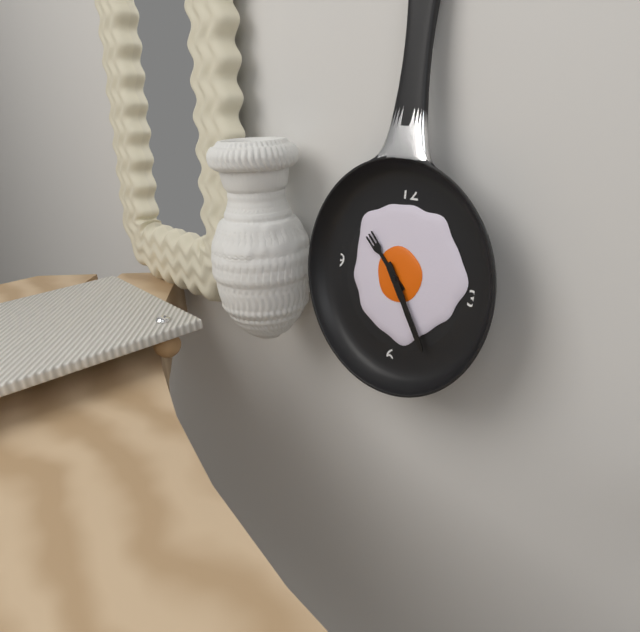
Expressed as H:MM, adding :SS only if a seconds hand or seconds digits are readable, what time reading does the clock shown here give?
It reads 10:24
